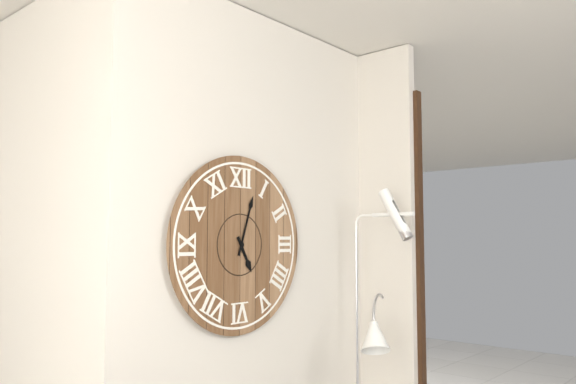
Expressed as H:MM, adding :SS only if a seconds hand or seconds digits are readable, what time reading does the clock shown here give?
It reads 5:03
